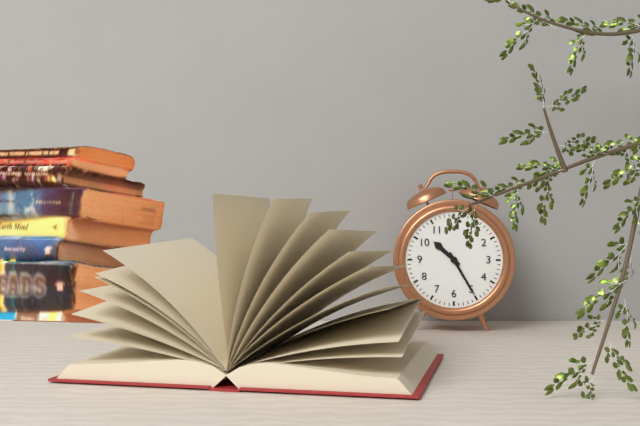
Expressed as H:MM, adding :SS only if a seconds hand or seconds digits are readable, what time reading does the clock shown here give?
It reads 10:25
